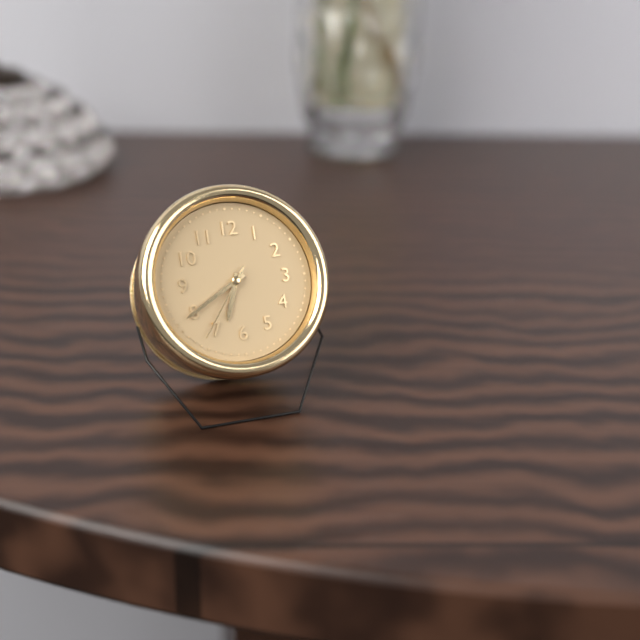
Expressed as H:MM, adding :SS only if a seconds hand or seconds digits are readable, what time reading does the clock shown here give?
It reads 6:40:36
